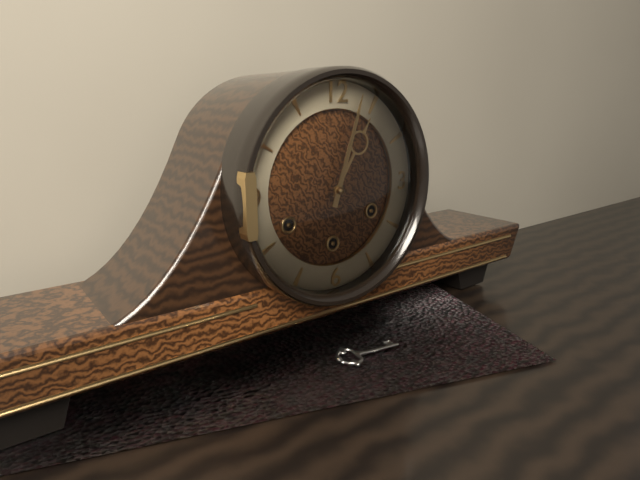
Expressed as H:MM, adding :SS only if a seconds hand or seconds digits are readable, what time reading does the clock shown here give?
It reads 1:03
